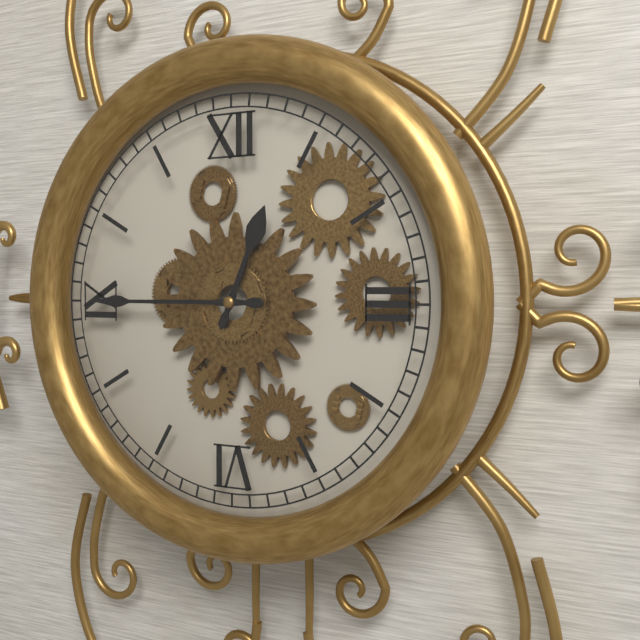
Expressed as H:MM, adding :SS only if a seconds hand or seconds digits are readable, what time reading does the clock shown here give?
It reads 12:45
